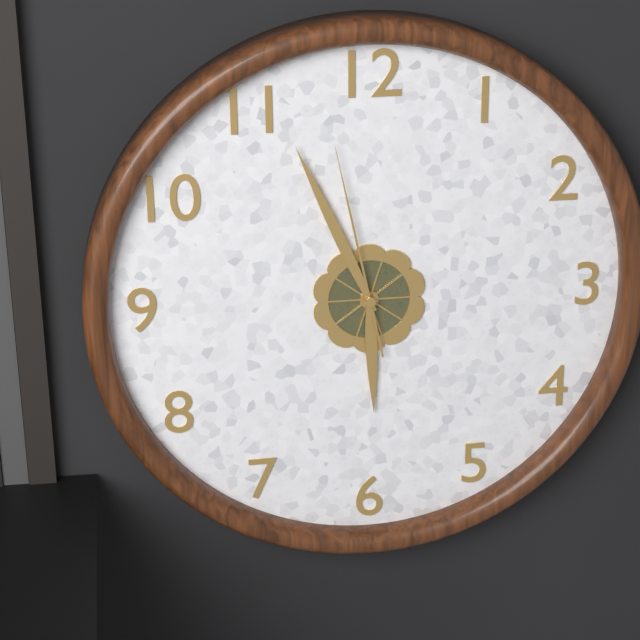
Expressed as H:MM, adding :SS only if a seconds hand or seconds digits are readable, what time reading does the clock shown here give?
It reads 5:56:58
